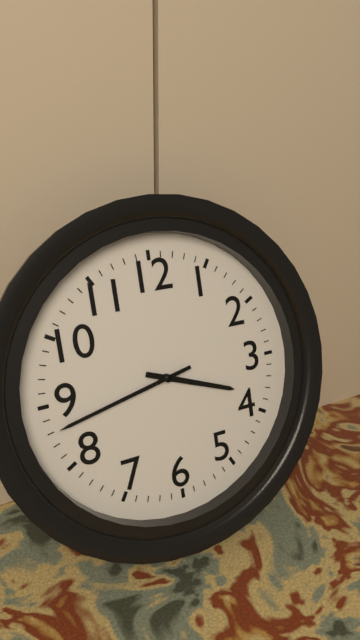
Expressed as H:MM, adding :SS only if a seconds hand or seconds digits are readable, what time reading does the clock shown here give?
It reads 3:43
